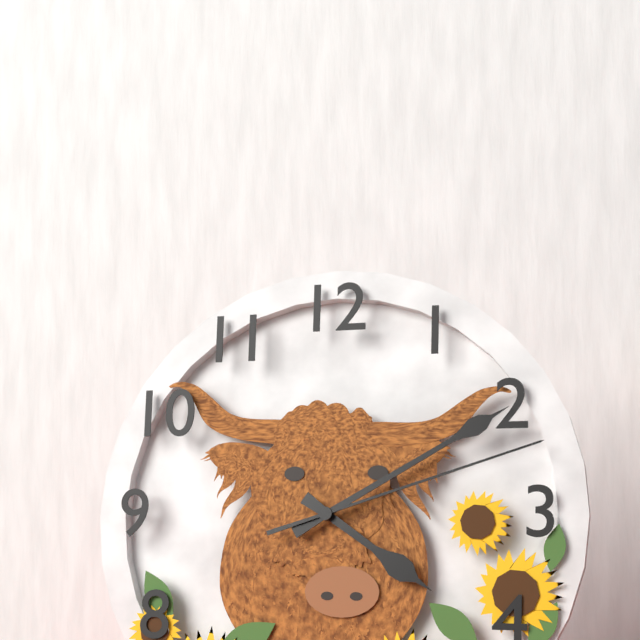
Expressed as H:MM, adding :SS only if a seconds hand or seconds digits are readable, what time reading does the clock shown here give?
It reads 4:10:12
